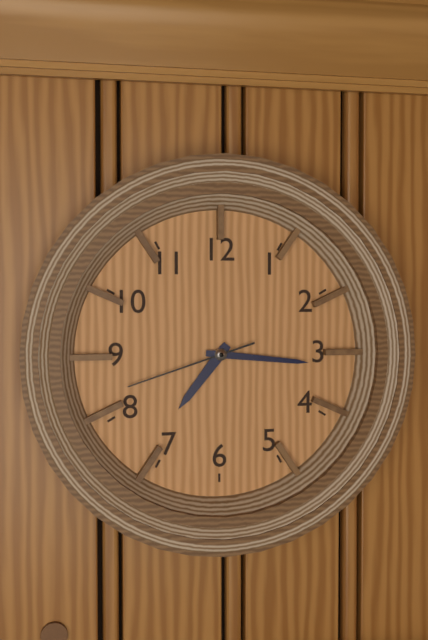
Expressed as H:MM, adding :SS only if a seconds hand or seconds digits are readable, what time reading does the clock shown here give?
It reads 7:16:42
